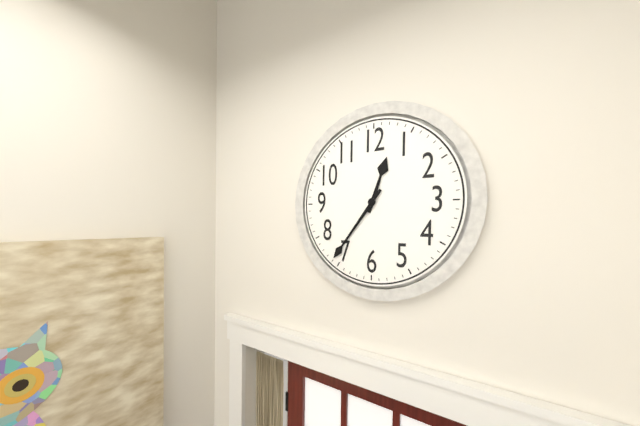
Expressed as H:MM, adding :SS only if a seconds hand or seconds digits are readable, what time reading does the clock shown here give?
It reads 12:36
